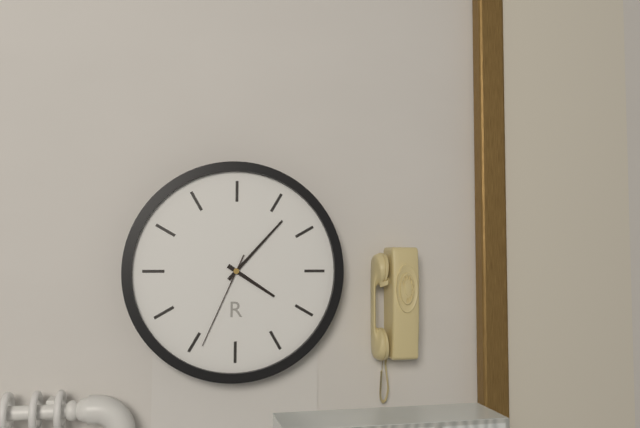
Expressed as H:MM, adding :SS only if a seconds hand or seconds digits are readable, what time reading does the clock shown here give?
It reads 4:07:34
